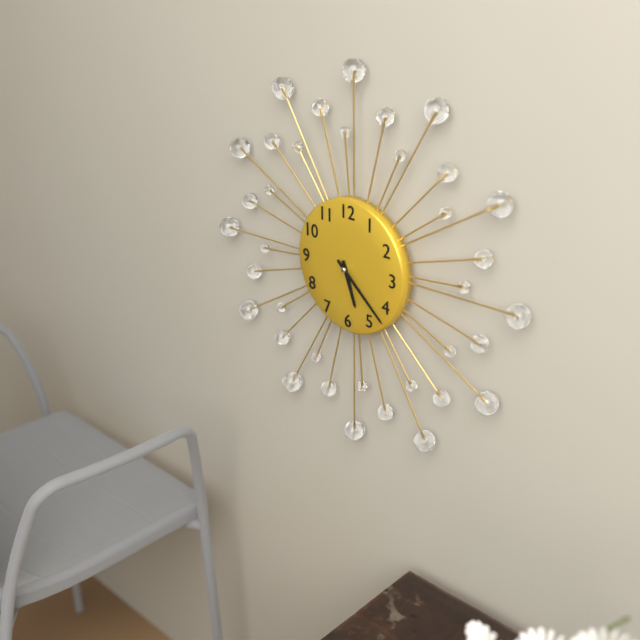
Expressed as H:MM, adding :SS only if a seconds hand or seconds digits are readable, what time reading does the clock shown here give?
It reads 5:22
